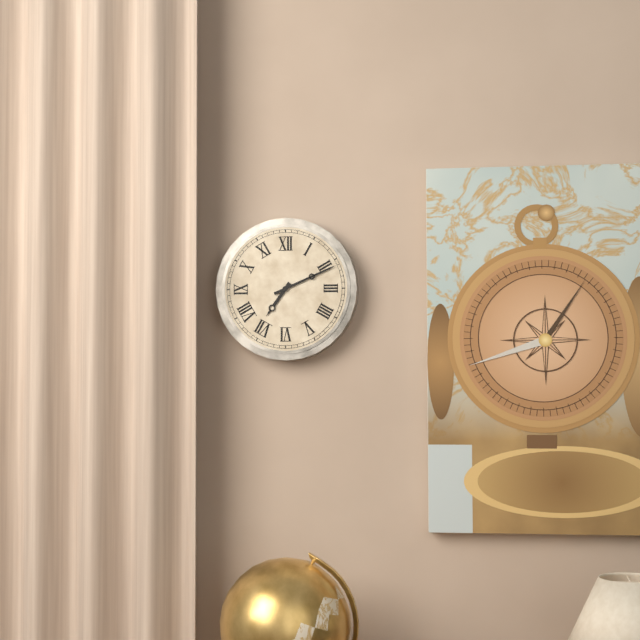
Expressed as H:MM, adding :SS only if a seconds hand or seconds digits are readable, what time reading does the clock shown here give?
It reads 7:11
